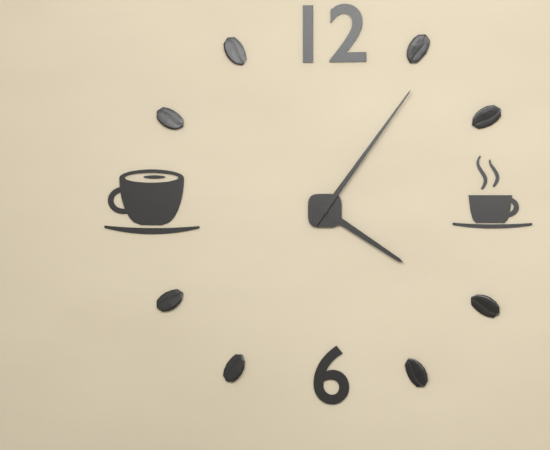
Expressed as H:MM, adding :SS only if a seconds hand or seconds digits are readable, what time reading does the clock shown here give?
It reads 4:06
